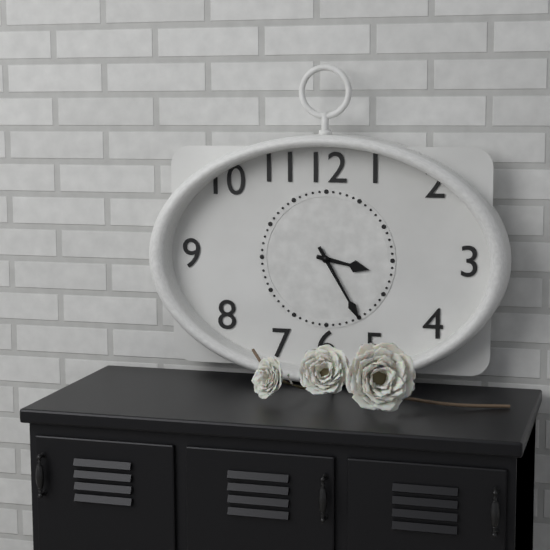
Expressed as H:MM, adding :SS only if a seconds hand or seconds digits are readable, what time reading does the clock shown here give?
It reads 3:25
